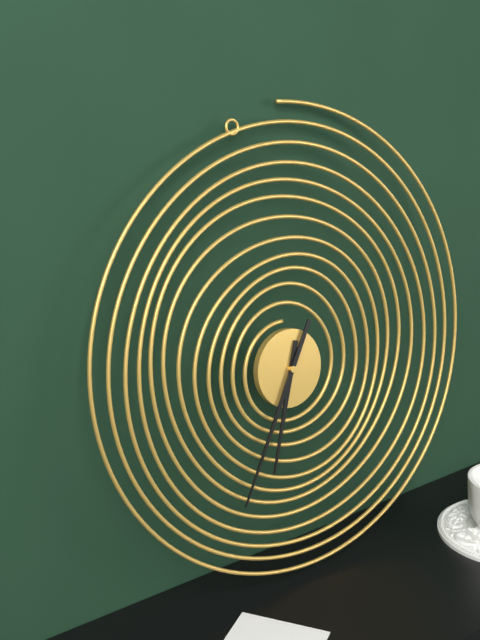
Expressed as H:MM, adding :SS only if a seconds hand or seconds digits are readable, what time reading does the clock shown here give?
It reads 6:35
